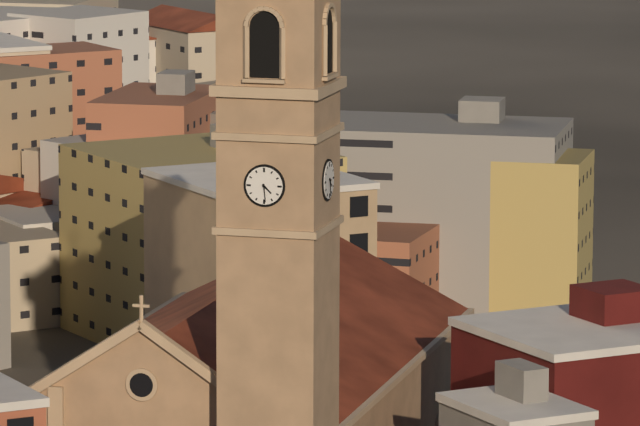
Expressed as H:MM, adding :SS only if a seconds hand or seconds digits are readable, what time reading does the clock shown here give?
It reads 4:29
